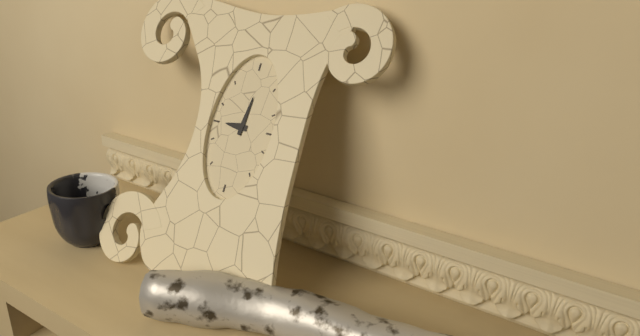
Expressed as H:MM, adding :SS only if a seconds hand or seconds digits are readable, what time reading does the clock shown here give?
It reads 9:01
